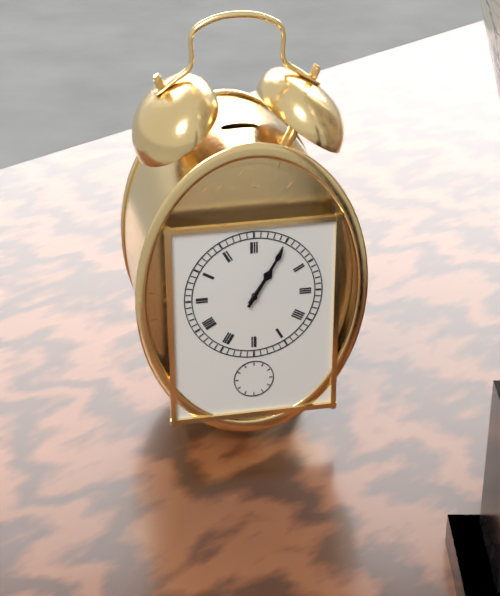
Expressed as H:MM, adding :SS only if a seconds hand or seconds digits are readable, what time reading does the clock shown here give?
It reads 1:05
